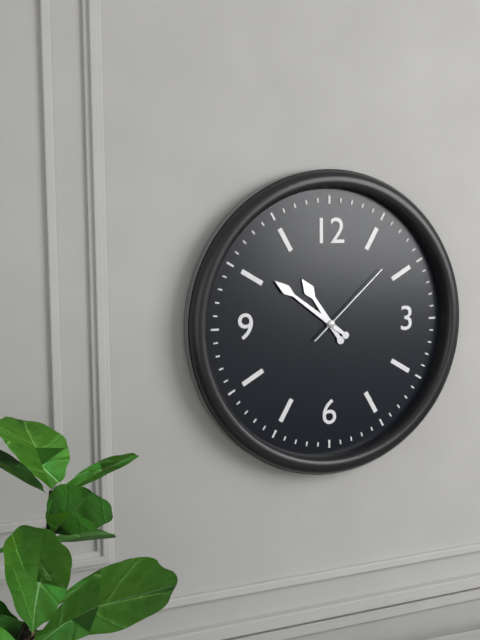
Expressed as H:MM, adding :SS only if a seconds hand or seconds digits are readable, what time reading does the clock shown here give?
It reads 10:51:08
